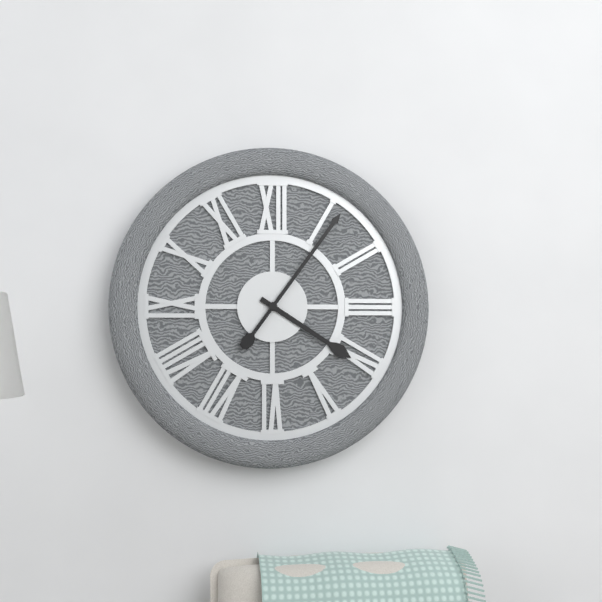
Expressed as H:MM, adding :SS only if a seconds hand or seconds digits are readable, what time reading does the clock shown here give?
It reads 4:06
